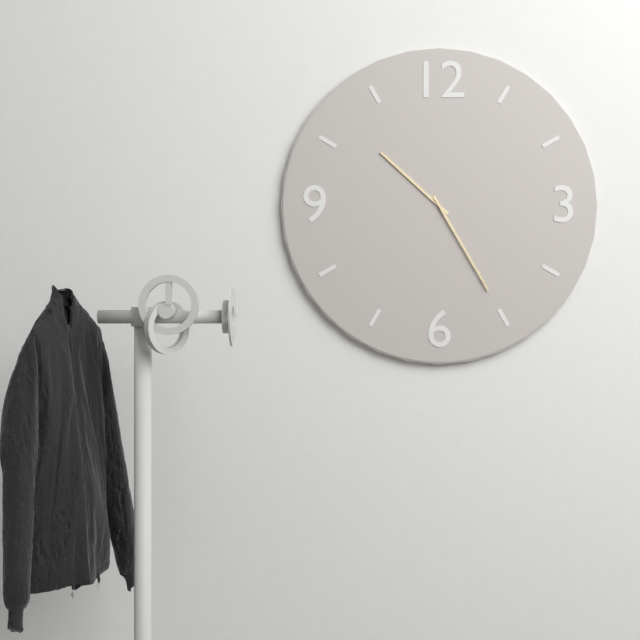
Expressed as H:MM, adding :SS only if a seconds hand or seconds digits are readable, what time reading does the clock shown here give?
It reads 10:25
